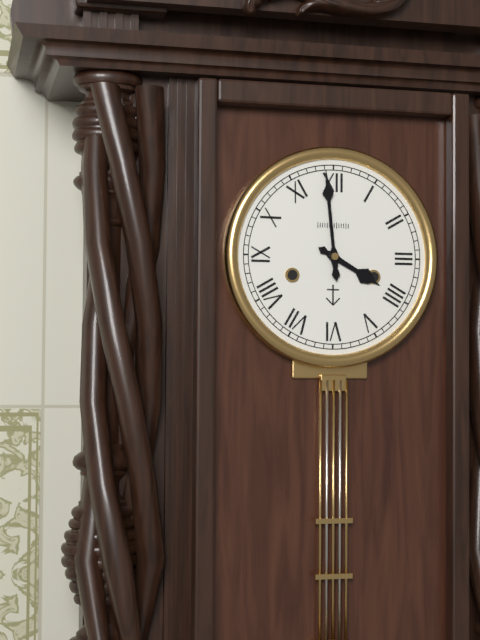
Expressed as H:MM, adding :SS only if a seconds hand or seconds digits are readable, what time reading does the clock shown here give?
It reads 3:59
